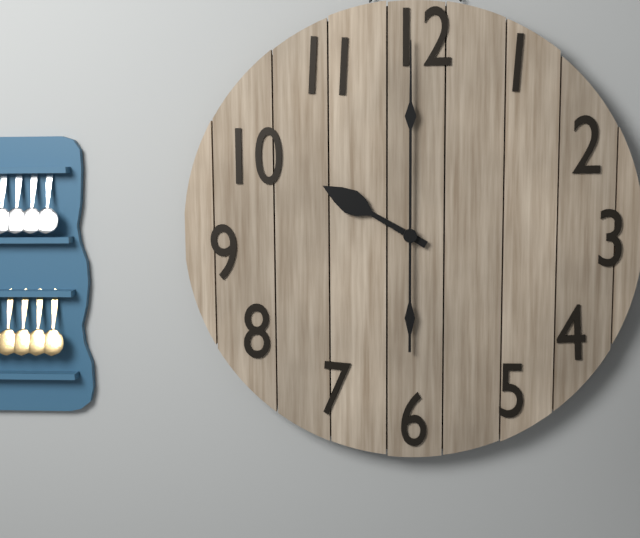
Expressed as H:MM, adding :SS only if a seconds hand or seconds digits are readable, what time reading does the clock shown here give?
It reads 10:00
